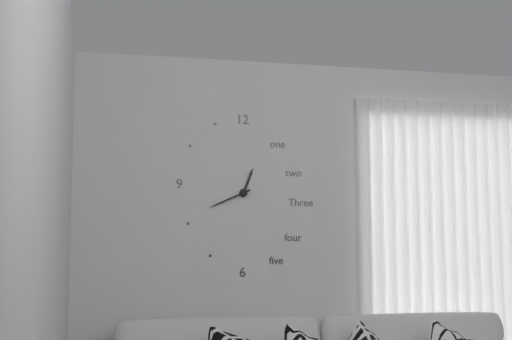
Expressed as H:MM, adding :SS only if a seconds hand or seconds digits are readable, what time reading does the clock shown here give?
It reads 12:41
